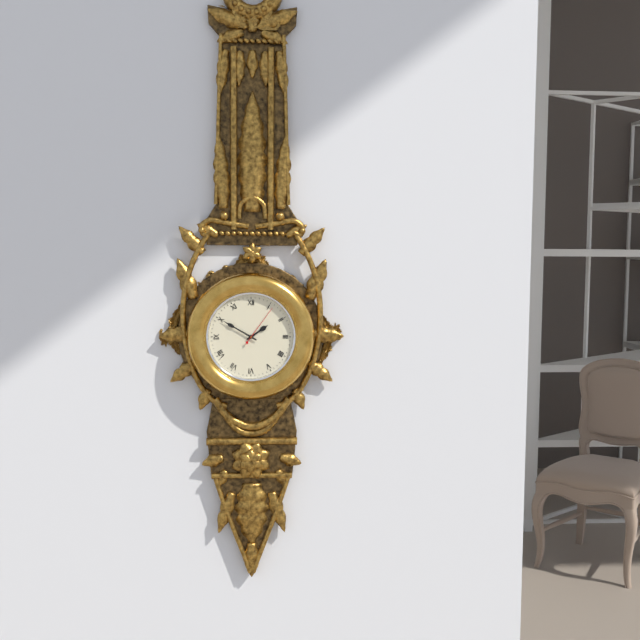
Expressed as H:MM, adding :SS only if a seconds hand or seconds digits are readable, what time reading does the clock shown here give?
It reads 1:50
